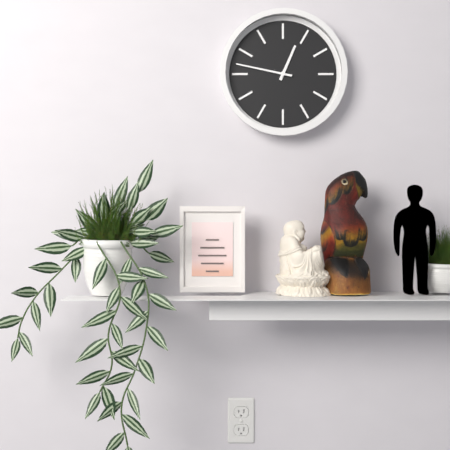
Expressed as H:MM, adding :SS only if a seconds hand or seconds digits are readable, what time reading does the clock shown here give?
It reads 12:47
